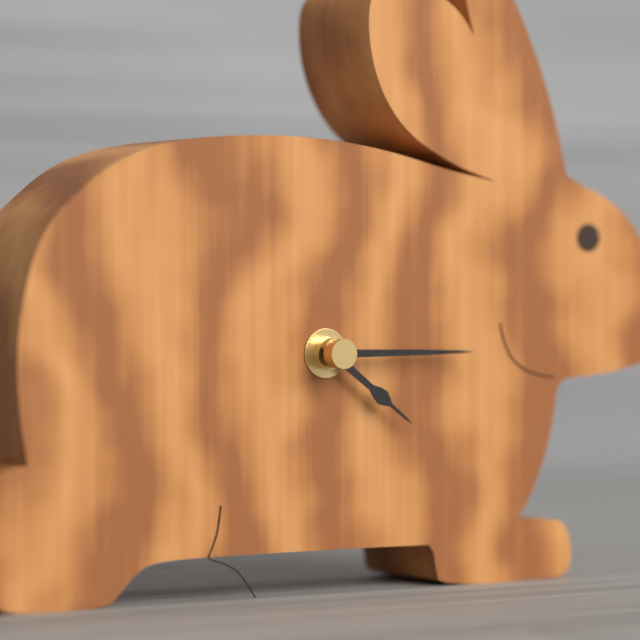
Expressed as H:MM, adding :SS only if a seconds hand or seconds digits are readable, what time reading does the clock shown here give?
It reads 4:15
